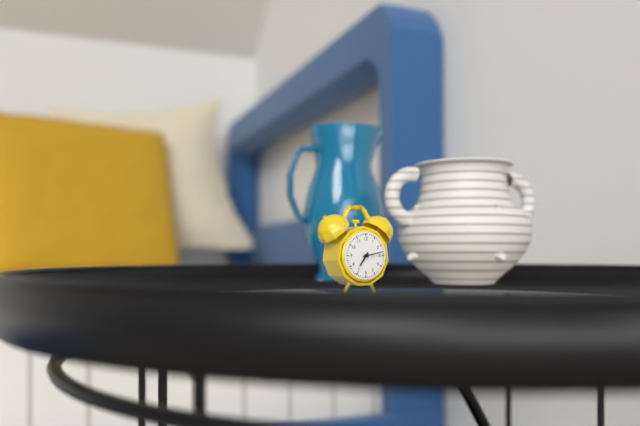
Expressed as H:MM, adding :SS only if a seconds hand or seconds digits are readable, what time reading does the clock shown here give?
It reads 7:13
